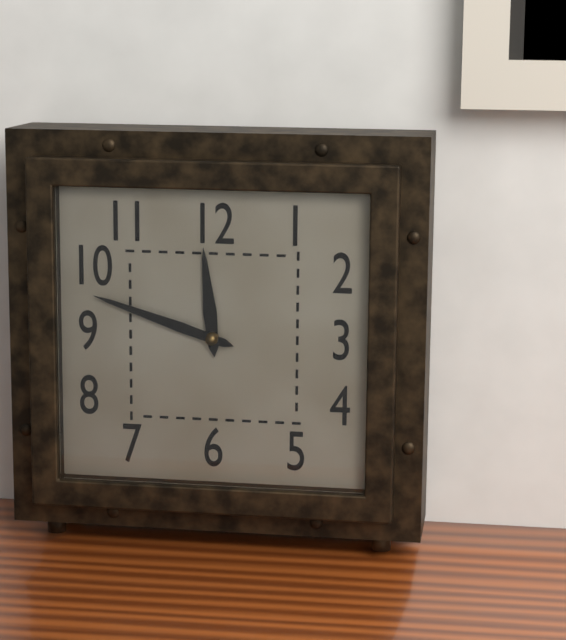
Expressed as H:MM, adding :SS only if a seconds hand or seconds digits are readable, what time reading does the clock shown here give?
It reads 11:48
